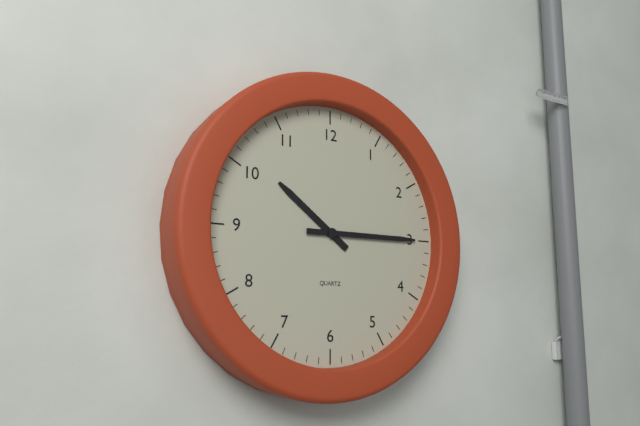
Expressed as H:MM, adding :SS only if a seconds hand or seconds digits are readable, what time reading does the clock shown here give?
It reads 10:15
